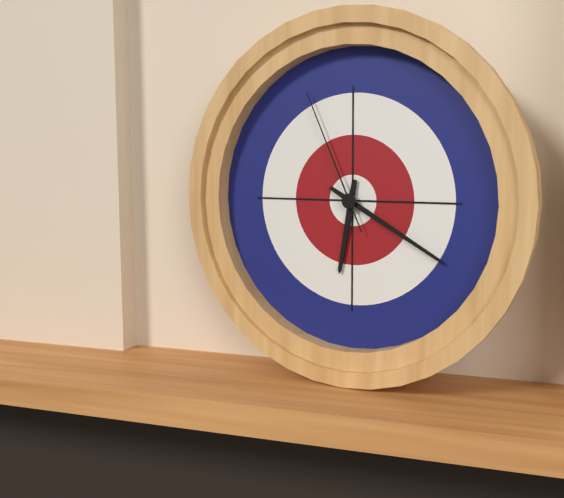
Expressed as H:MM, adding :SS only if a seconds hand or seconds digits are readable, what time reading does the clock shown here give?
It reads 6:20:56
